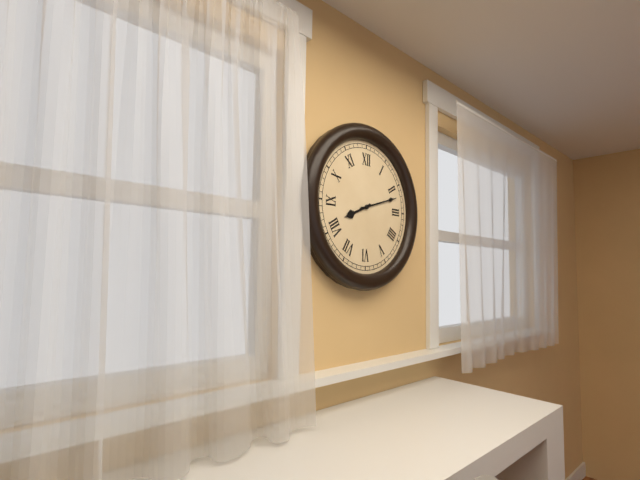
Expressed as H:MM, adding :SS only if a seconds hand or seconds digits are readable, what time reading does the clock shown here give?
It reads 8:12
